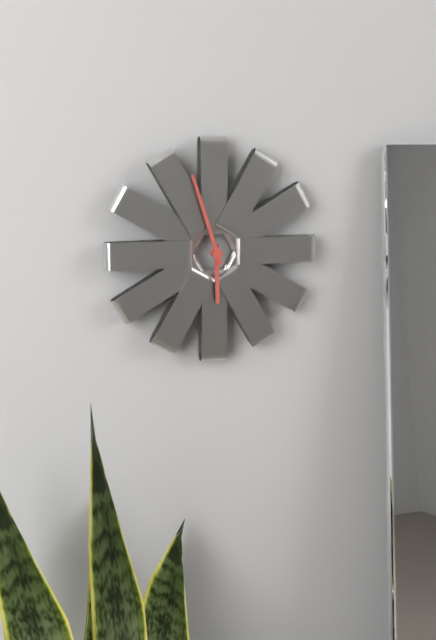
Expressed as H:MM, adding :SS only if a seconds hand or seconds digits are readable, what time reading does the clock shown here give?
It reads 5:57
